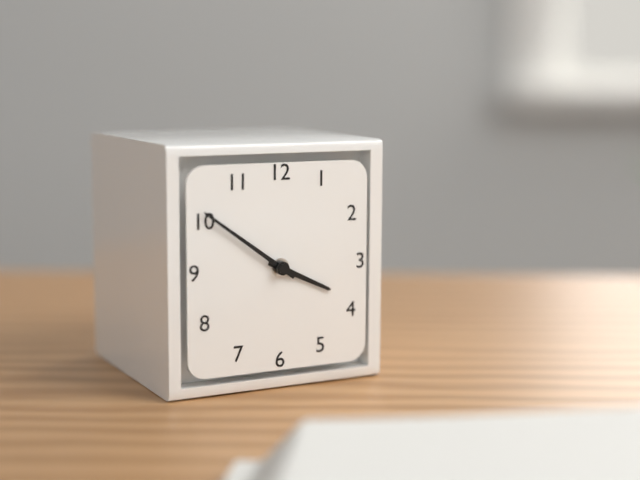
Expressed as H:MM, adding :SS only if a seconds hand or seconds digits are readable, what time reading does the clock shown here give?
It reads 3:51
